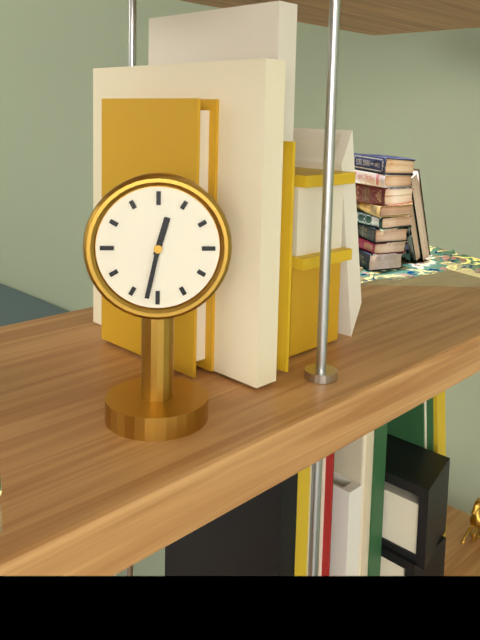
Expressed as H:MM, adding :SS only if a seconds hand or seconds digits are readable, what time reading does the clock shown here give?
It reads 12:32
